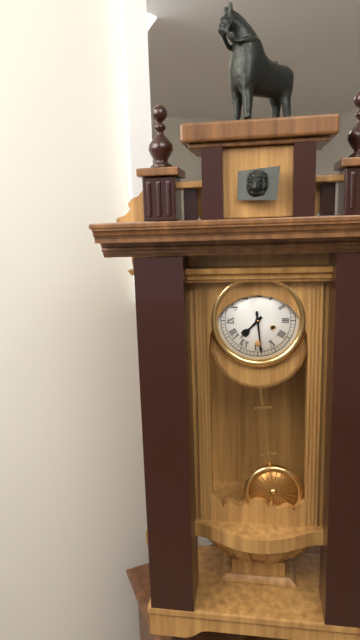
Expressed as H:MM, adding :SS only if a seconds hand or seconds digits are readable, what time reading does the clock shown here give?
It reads 7:29
